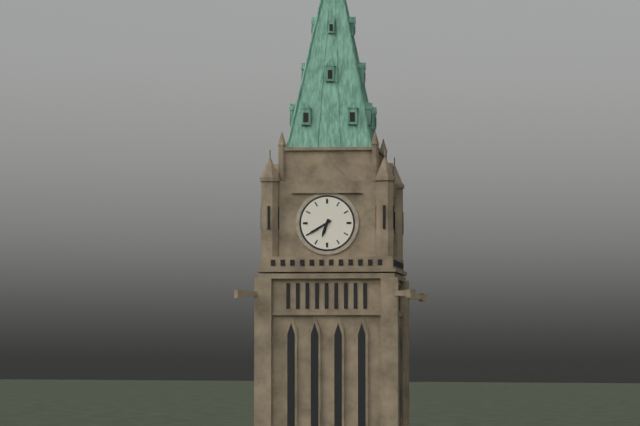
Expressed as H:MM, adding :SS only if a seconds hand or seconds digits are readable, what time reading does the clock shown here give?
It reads 6:40
